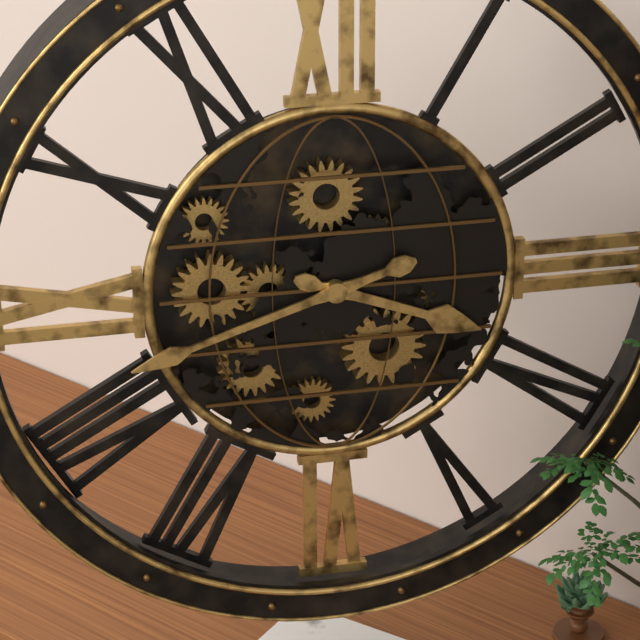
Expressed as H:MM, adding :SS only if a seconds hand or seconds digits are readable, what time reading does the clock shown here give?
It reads 3:42
